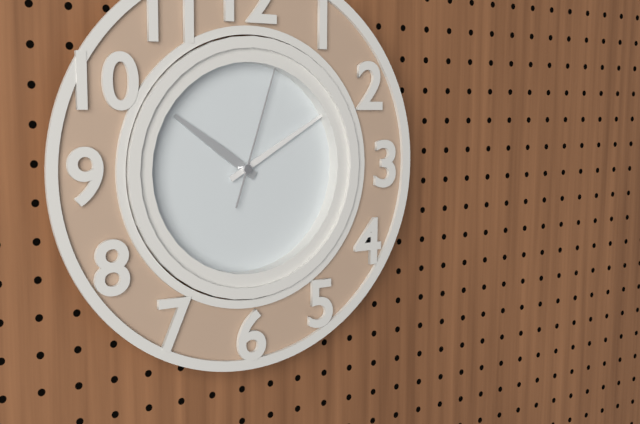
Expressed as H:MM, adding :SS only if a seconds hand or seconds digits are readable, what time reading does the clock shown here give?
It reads 10:10:03
